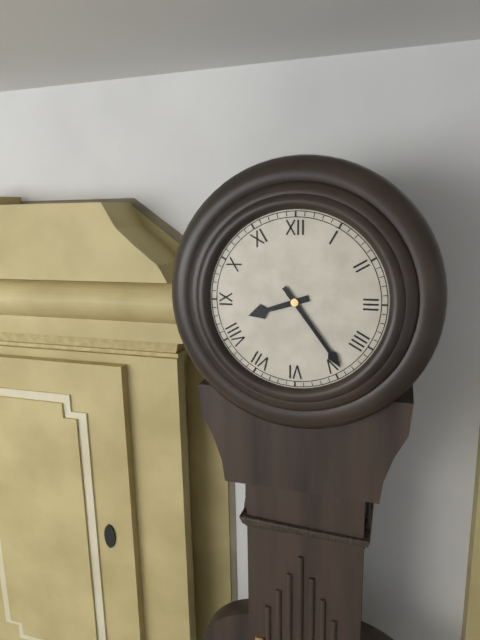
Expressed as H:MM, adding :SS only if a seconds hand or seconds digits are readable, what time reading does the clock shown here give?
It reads 8:24
